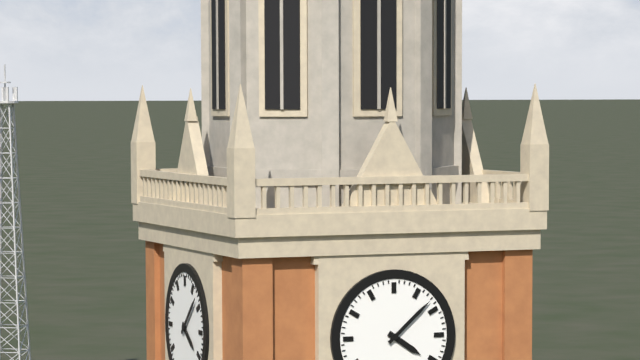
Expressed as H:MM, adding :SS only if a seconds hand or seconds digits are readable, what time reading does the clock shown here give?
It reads 4:08
